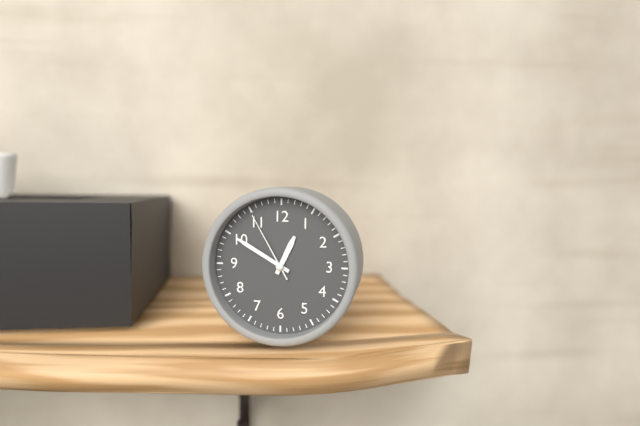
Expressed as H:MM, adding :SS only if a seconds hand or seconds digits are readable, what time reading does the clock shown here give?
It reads 12:50:55
